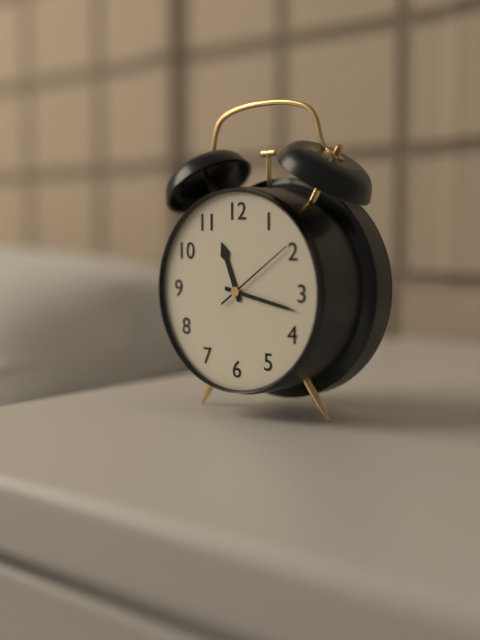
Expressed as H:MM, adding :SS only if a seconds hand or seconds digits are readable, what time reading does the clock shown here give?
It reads 11:17:09
